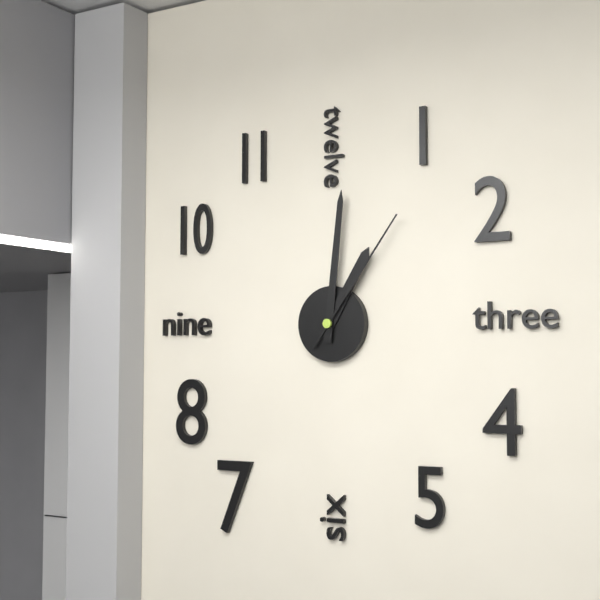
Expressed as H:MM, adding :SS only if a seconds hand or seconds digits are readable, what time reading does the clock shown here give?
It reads 1:01:06
